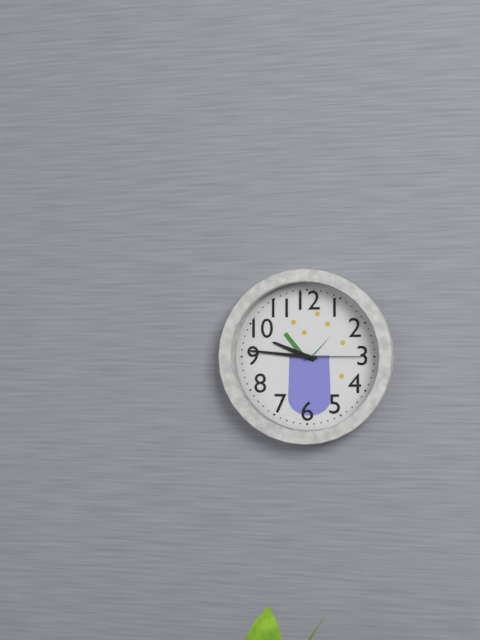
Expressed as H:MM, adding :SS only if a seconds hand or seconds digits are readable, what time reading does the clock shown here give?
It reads 9:46:15
